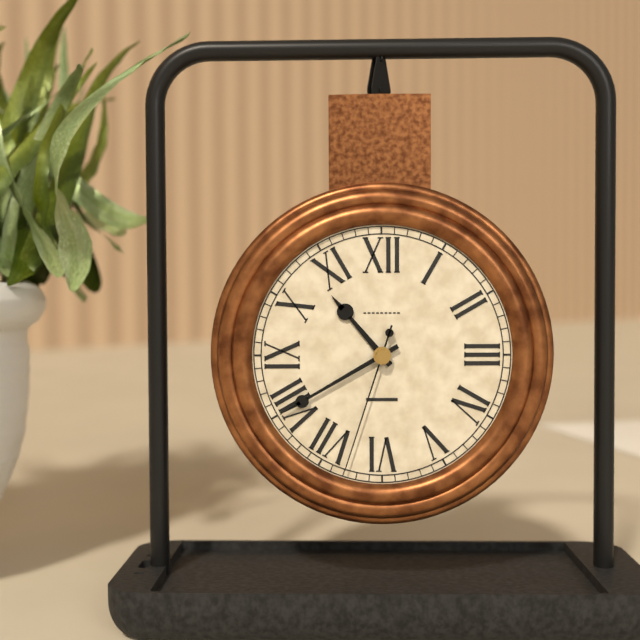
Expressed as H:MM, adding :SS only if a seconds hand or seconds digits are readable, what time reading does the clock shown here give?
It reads 10:40:33
